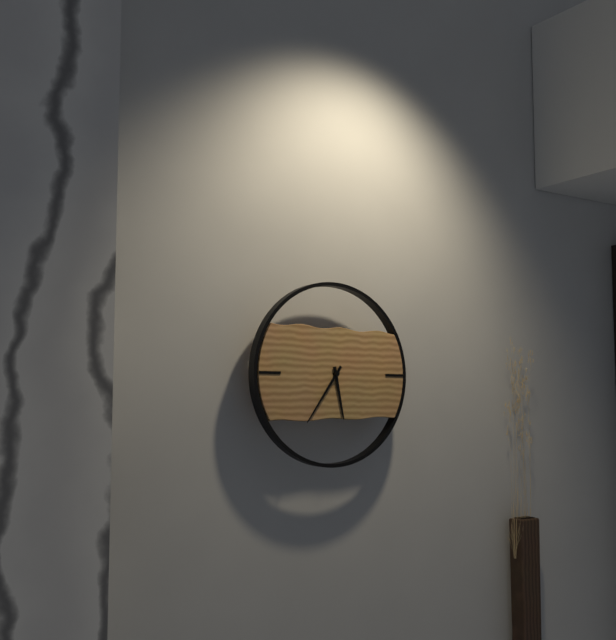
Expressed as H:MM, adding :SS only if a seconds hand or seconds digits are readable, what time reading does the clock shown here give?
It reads 5:36
